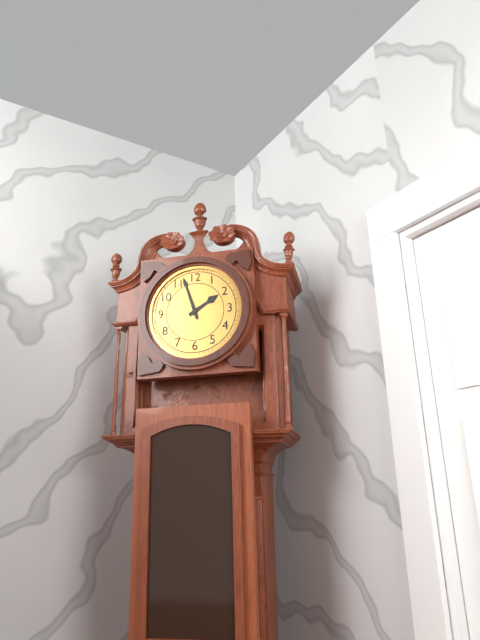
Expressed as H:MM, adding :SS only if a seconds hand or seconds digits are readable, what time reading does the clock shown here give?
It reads 1:57
